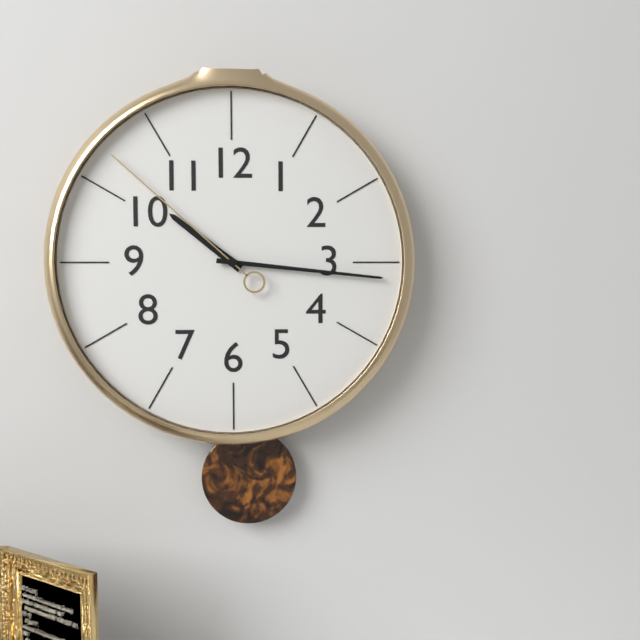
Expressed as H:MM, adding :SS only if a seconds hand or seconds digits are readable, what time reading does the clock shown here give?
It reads 10:16:52
